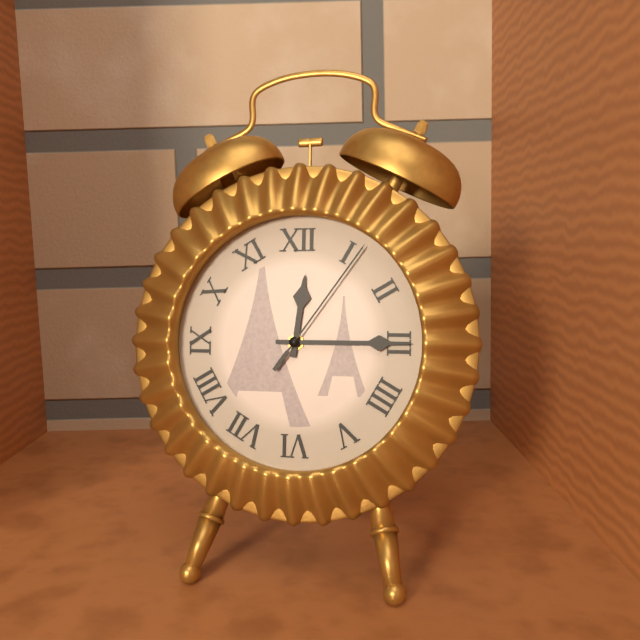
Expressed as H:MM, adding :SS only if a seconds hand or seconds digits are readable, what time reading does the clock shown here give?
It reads 12:15:06
